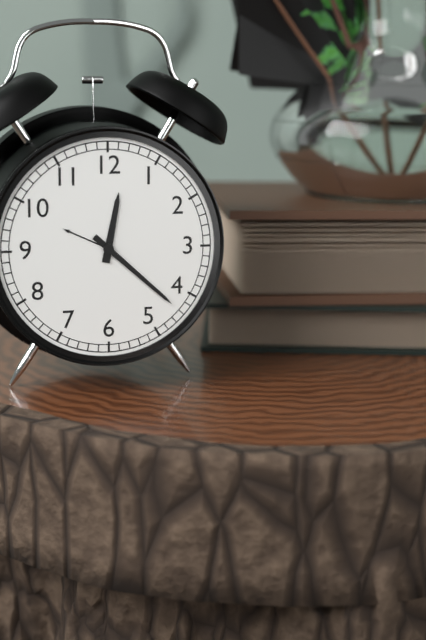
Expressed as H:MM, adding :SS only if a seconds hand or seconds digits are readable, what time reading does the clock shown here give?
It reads 12:22
